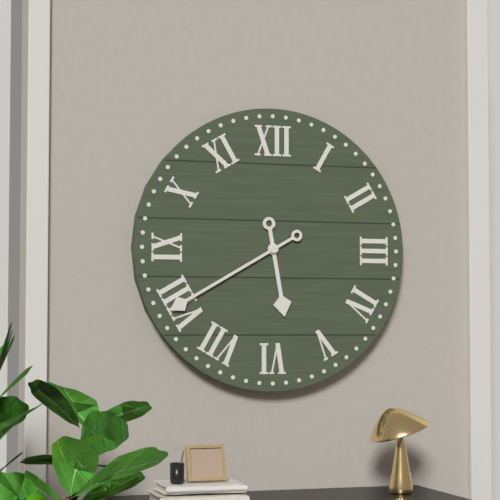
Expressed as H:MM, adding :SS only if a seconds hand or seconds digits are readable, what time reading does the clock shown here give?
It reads 5:40
